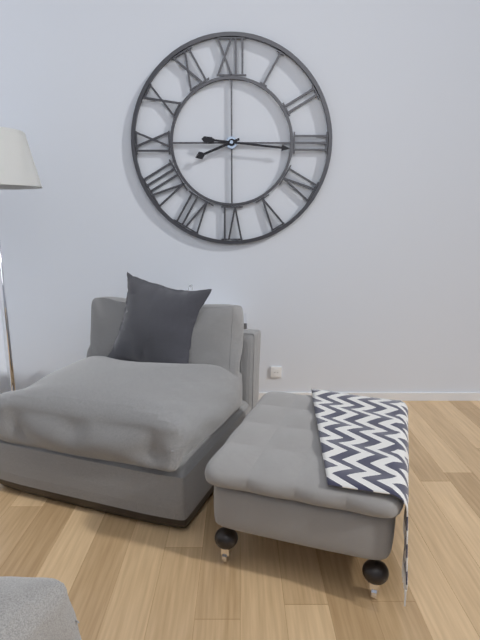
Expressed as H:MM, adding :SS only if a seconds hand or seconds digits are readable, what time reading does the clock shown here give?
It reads 8:16
